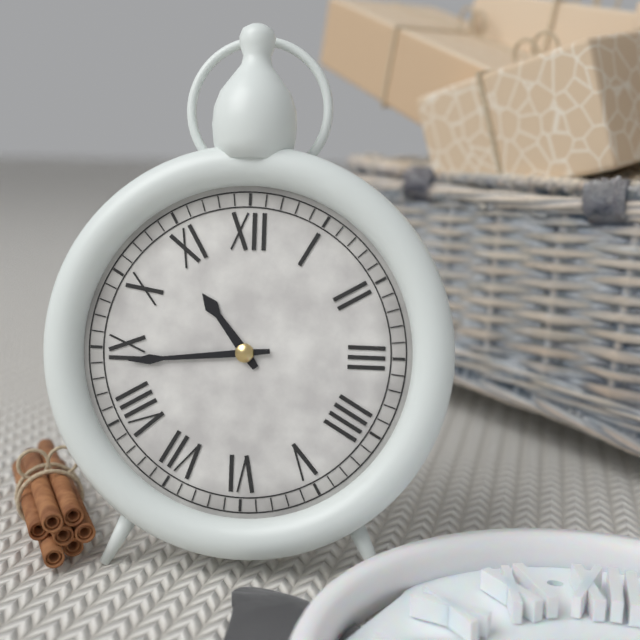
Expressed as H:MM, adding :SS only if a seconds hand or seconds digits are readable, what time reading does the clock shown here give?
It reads 10:44
